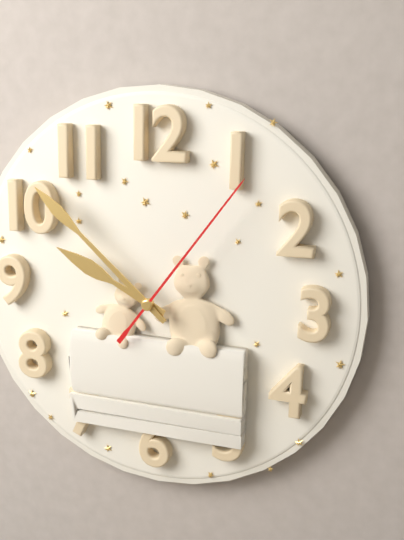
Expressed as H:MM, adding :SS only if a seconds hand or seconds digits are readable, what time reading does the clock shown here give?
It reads 9:52:06
